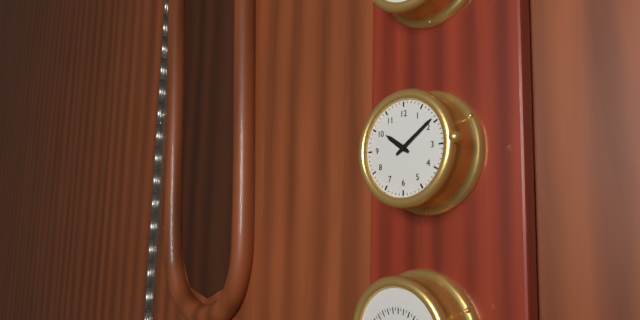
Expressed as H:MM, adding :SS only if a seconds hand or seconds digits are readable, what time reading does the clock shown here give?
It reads 10:09
